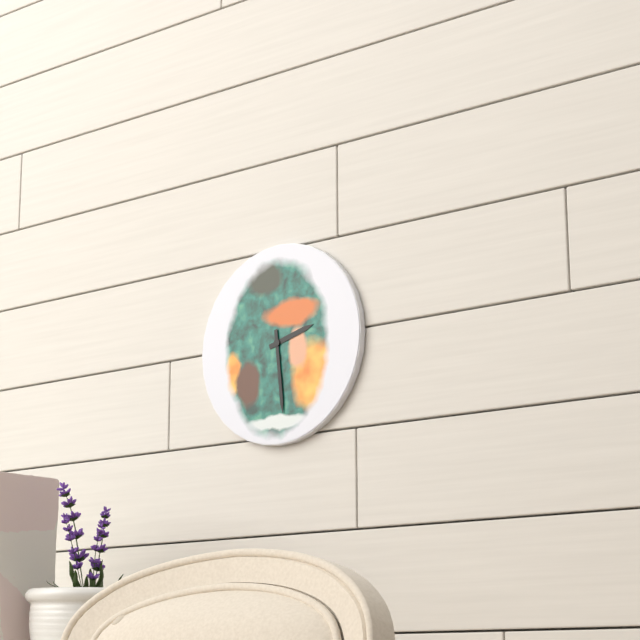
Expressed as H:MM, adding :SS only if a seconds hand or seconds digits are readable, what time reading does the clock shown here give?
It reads 2:29
